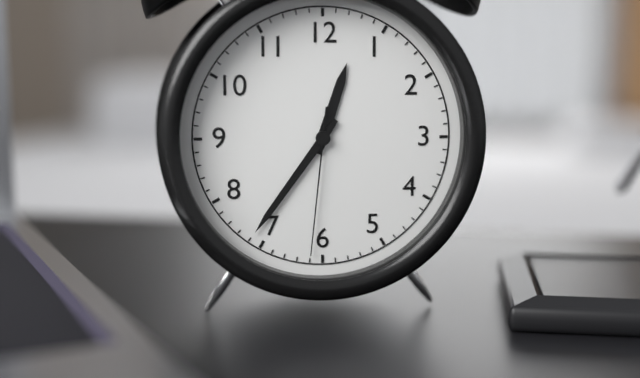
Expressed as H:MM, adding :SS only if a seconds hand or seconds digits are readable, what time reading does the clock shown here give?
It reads 12:36:31
